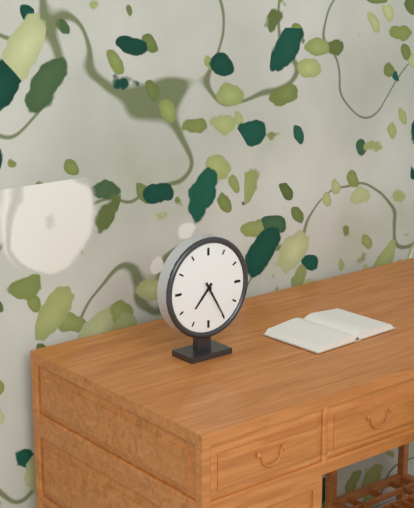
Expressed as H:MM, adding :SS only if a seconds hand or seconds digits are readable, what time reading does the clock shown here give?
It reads 7:25
